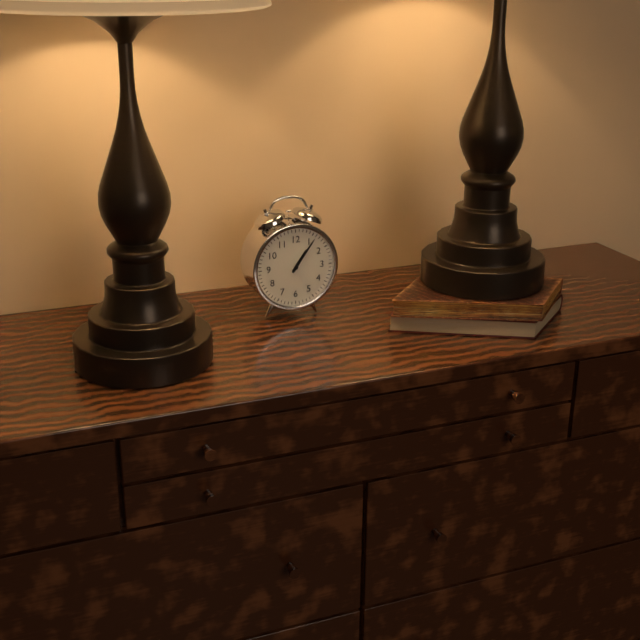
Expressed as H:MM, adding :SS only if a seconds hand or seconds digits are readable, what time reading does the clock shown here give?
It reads 1:06
